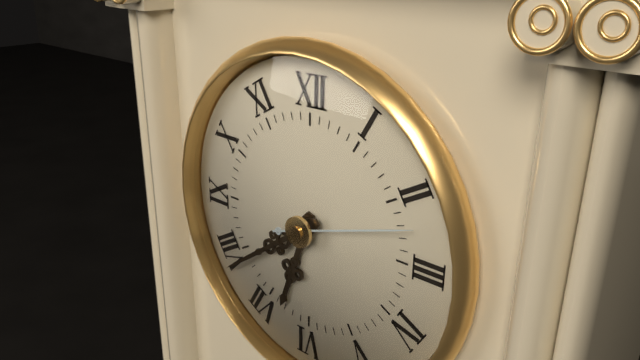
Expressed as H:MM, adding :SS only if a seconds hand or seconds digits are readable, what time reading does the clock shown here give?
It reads 6:39:12
